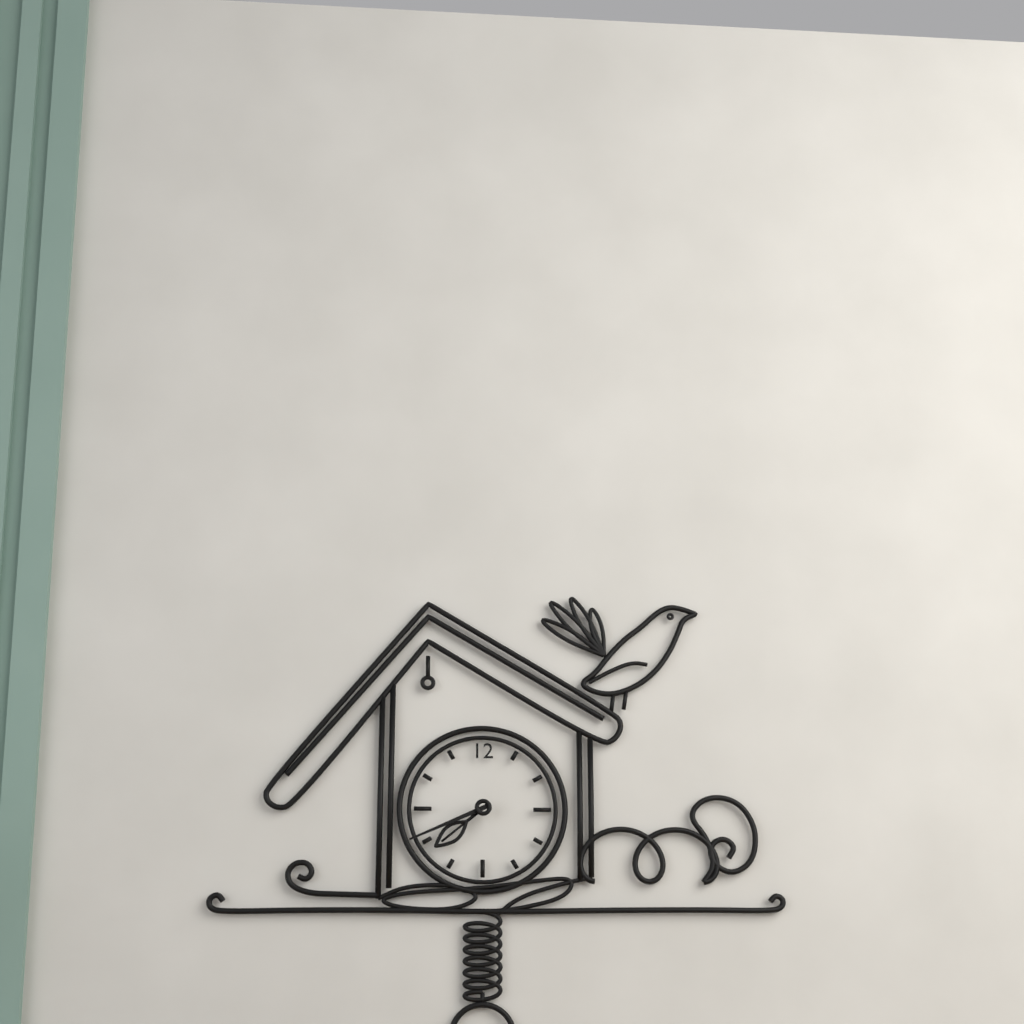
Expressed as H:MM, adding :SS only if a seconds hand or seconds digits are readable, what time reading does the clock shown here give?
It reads 7:41
